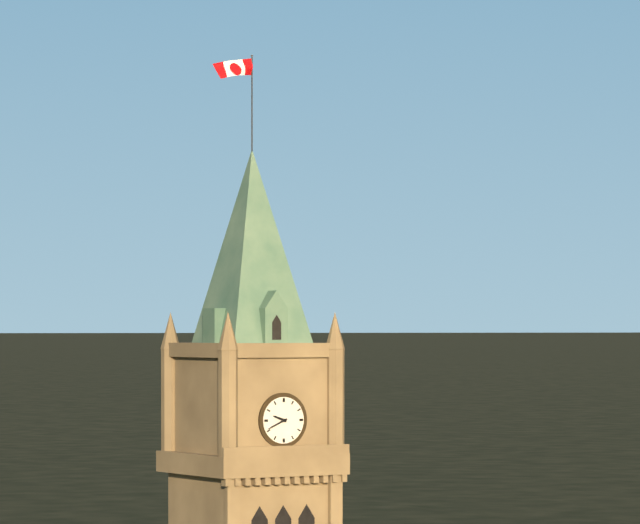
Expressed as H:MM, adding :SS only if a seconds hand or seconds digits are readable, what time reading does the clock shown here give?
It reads 9:41
